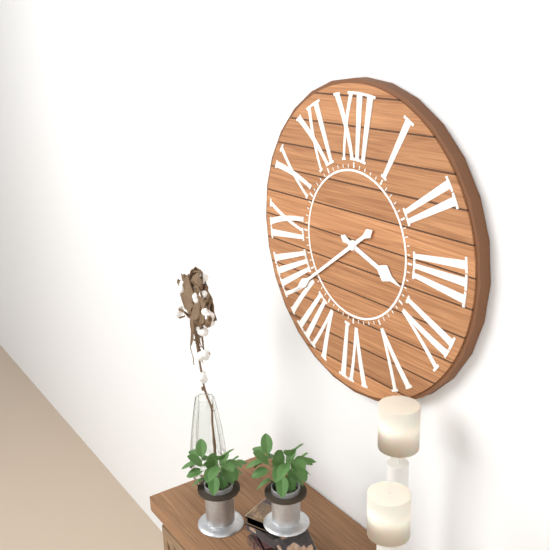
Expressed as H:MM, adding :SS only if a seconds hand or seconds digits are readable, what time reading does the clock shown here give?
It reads 3:39
